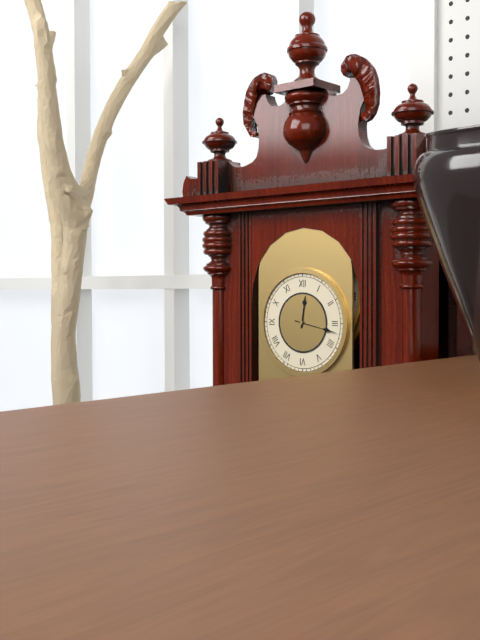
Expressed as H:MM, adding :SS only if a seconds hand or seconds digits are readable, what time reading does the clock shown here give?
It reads 12:17
